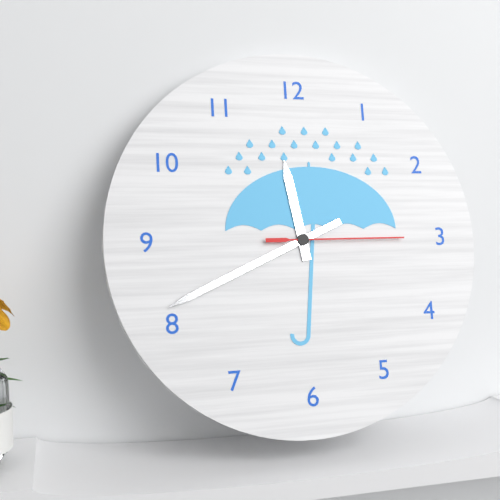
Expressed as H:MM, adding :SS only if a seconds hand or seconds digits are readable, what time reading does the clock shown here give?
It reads 11:41:15
